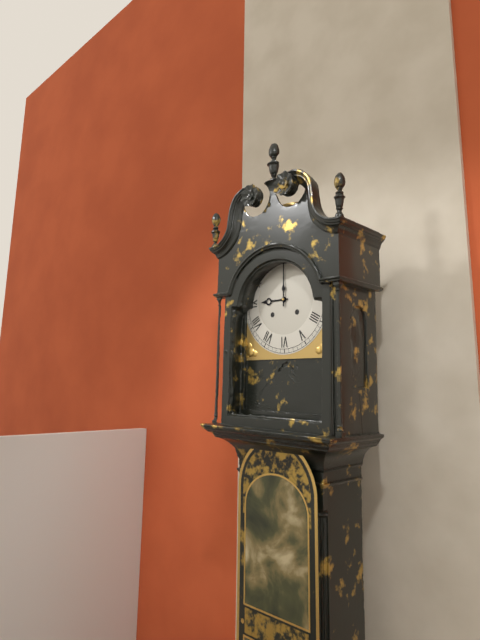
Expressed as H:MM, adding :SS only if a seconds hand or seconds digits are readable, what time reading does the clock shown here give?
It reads 9:00
